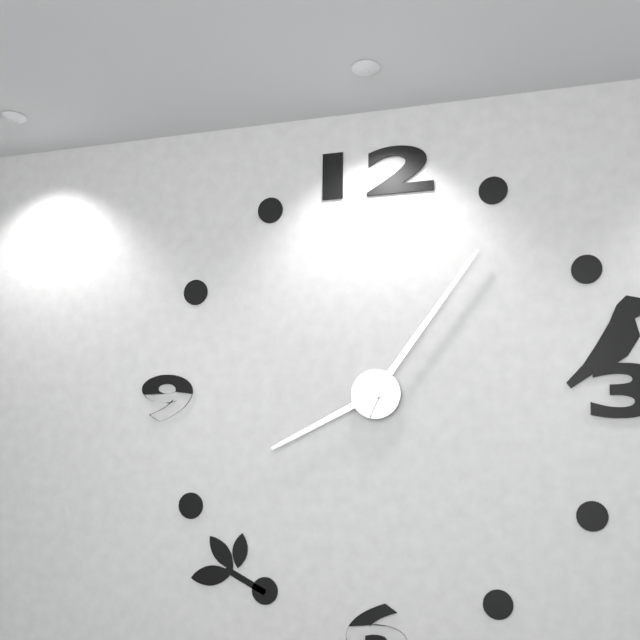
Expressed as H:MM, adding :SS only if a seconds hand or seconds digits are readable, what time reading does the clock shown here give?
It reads 8:06
